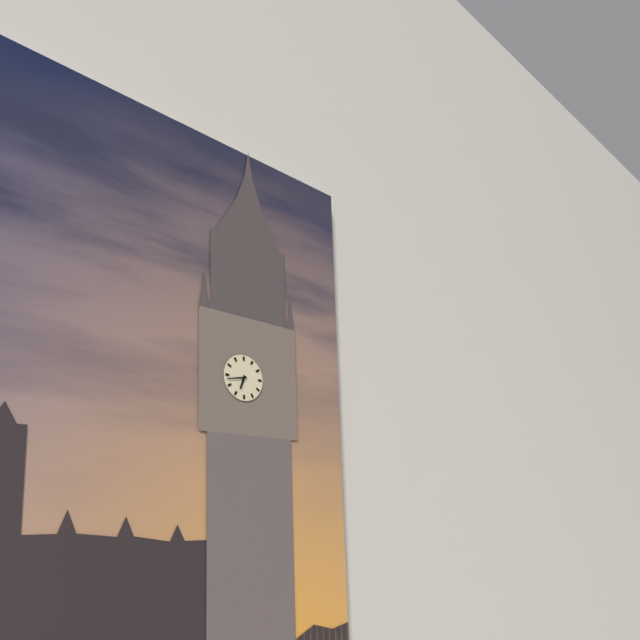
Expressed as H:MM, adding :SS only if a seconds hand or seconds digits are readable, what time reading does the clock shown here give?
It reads 6:43
